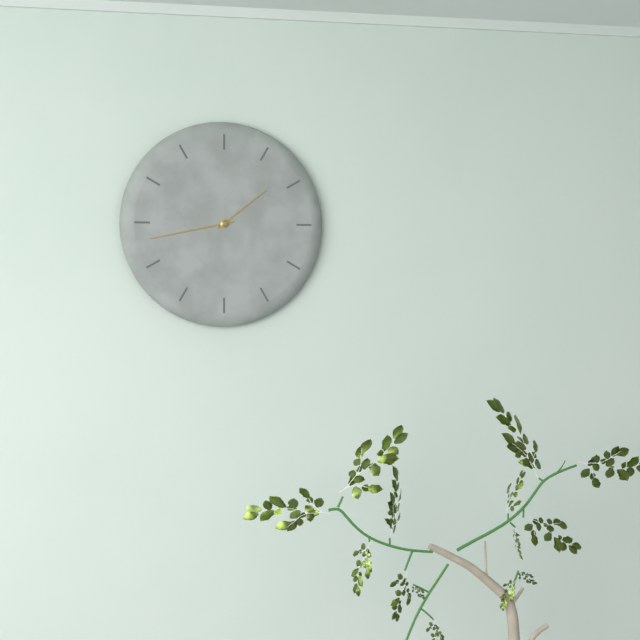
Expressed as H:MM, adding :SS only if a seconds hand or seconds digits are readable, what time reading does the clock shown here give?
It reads 1:43
